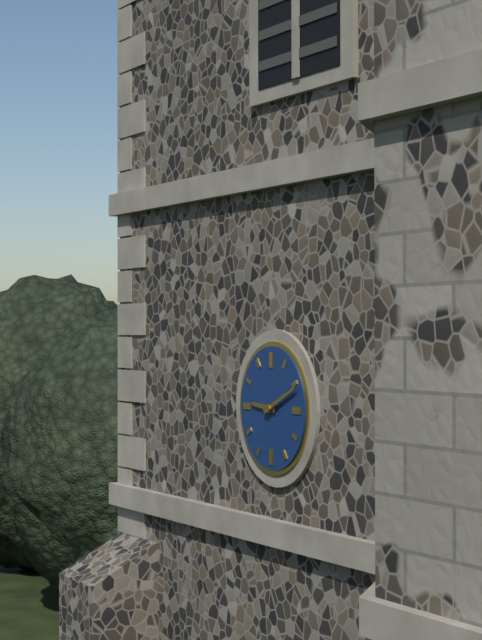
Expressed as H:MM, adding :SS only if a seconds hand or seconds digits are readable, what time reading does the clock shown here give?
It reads 9:11
